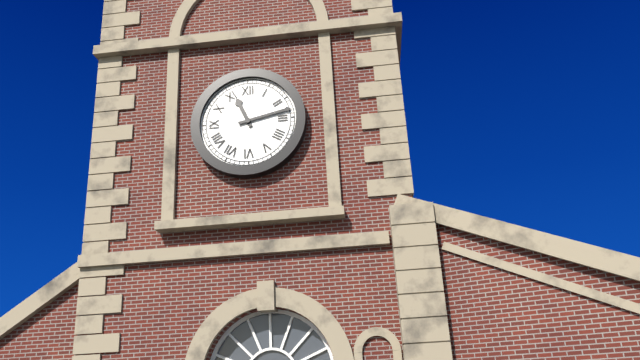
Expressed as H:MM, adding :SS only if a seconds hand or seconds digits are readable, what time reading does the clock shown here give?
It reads 11:13
